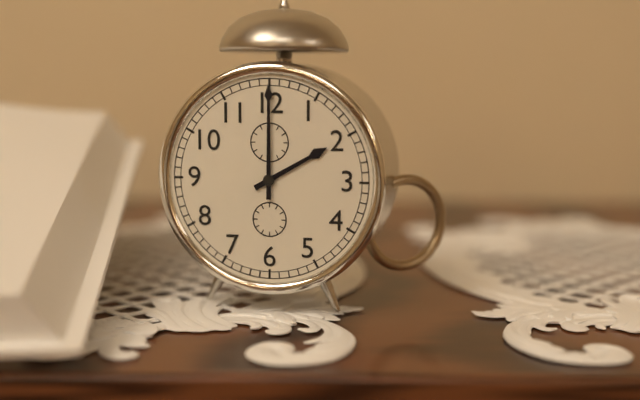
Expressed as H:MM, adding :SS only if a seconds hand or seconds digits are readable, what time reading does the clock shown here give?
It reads 2:00
